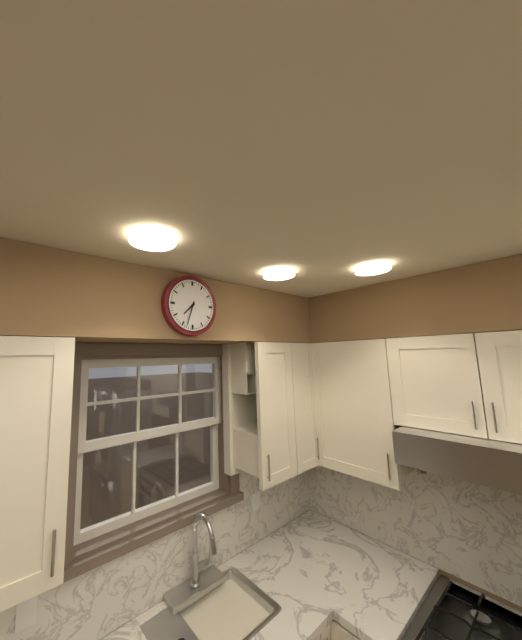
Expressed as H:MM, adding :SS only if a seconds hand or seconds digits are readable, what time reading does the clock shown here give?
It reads 7:33
